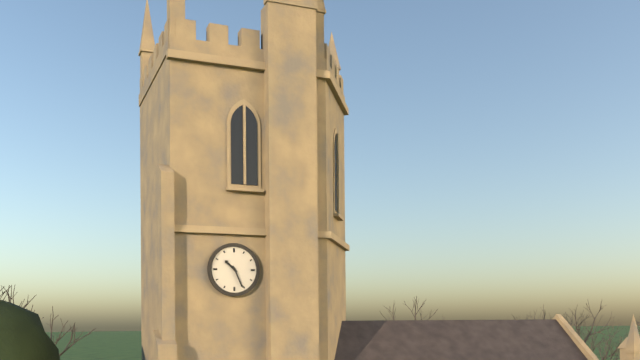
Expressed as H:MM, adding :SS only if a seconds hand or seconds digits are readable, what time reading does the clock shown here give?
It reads 10:26
